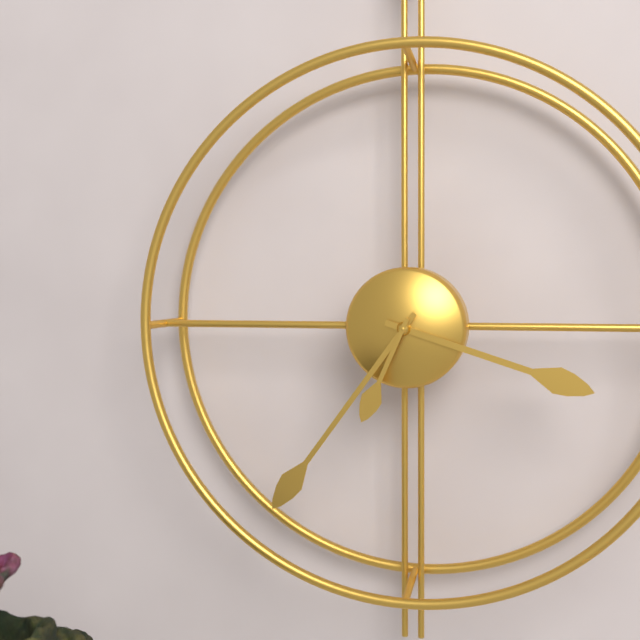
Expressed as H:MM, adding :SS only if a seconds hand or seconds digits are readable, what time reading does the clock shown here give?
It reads 3:36:34
